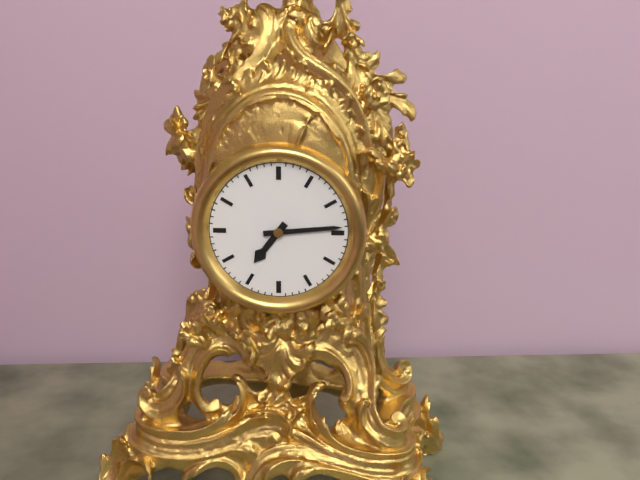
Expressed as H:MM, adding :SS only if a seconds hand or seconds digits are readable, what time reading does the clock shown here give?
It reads 7:14
